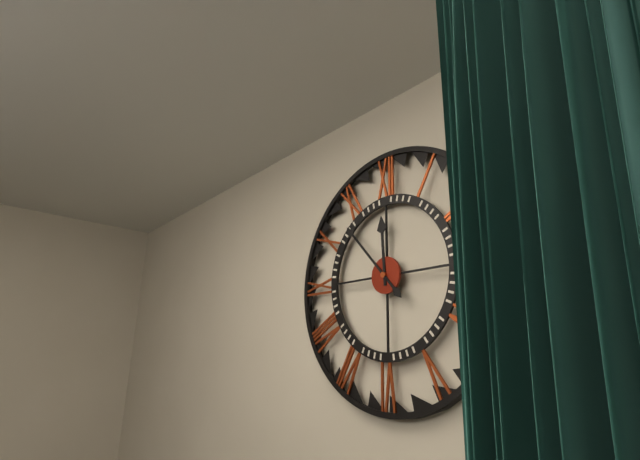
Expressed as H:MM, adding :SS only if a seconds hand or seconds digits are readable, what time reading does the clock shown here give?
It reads 11:53
